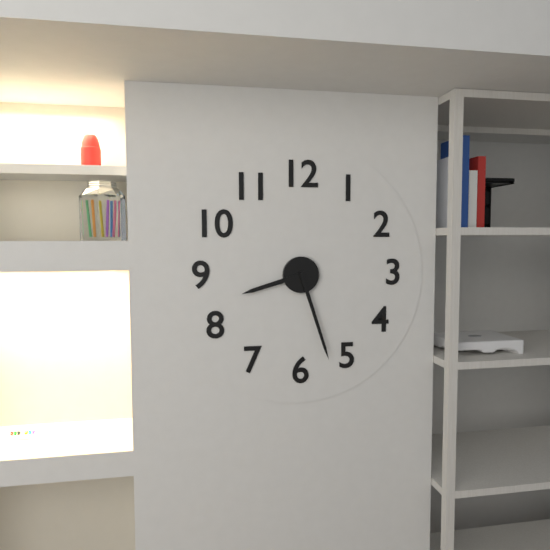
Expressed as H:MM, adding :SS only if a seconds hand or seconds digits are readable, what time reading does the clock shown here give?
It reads 8:27
